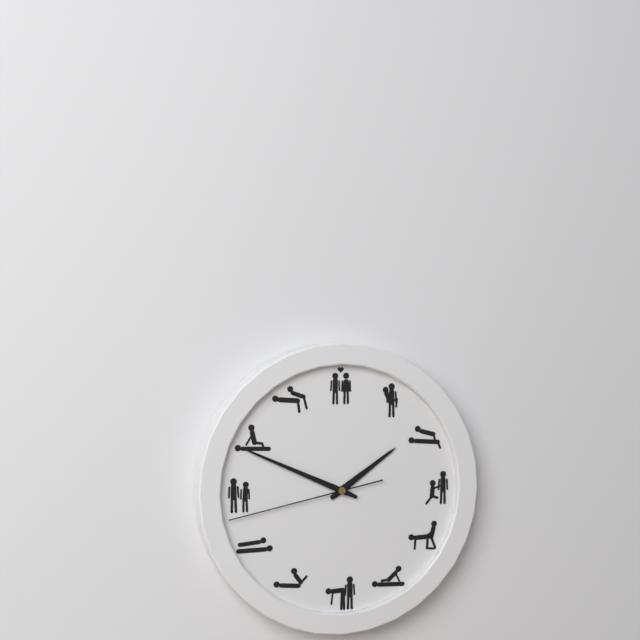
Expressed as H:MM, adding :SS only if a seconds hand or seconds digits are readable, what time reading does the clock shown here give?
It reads 1:49:43
